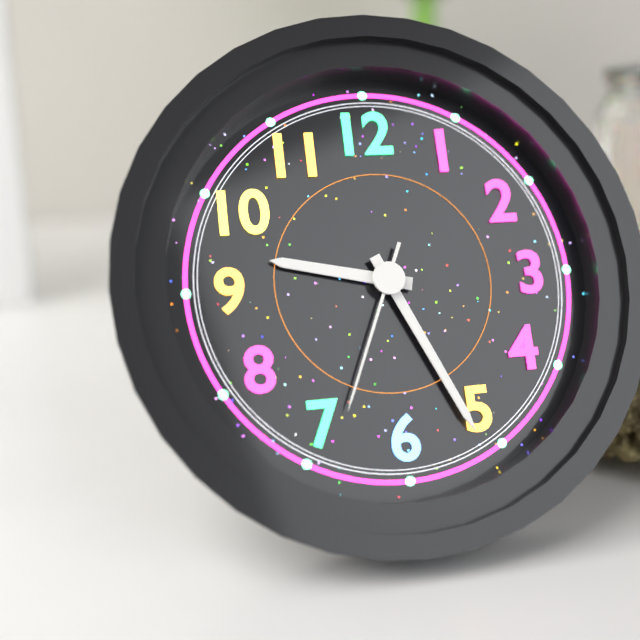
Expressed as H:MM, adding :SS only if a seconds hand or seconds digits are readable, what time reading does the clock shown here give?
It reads 9:26:34
